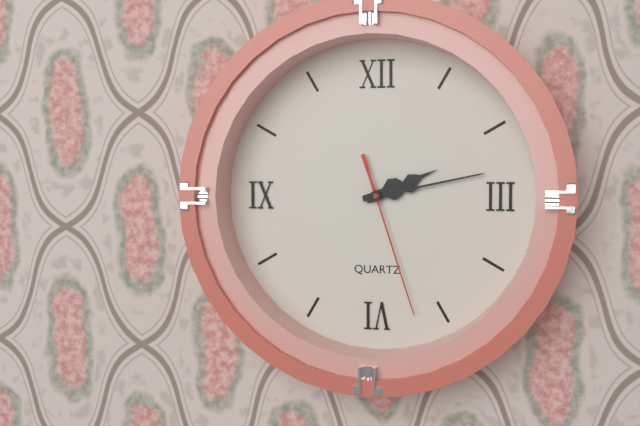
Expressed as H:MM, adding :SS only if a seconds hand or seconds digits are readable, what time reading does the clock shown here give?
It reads 2:13:27
